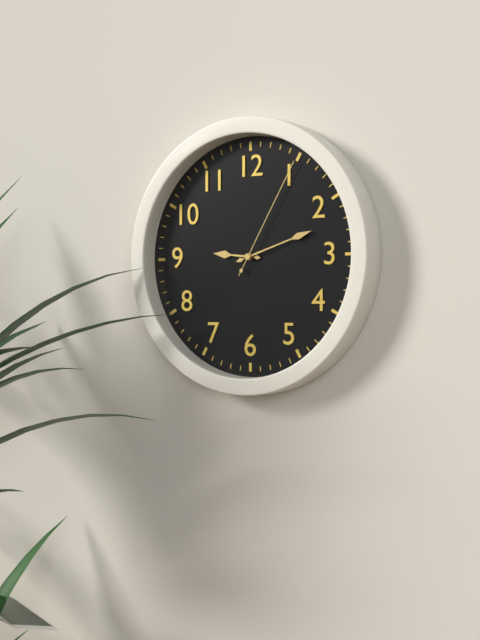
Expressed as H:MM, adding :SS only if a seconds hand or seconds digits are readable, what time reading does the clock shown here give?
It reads 9:12:05
